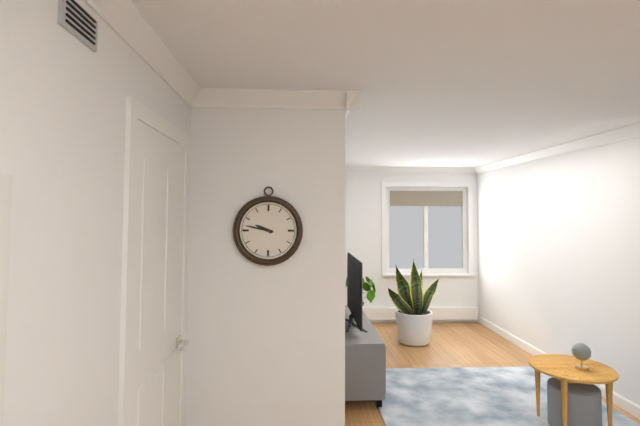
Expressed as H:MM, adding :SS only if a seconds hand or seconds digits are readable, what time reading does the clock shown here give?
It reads 9:47
